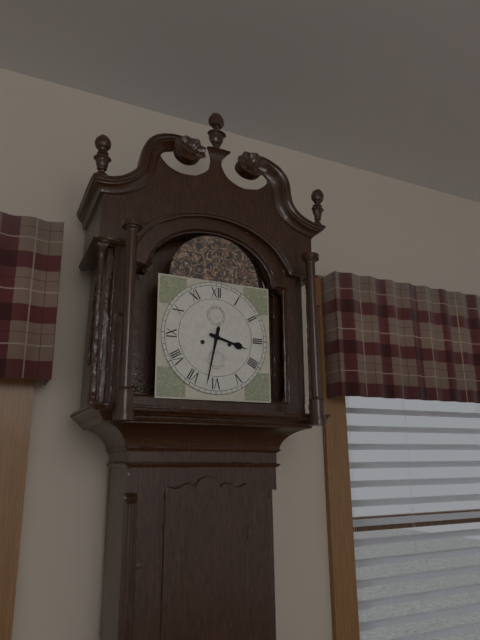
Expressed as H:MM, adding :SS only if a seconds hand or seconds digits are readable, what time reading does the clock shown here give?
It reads 3:32
